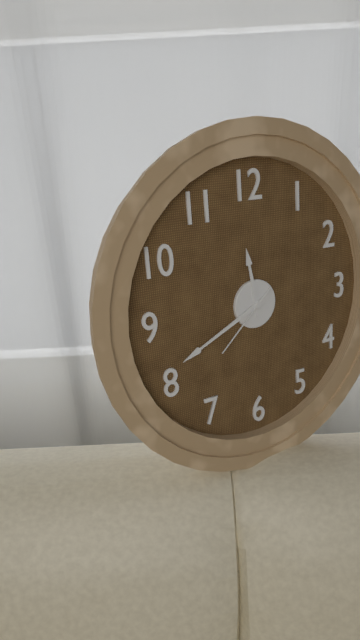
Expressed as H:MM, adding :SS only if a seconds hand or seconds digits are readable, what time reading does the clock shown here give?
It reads 11:41:38
